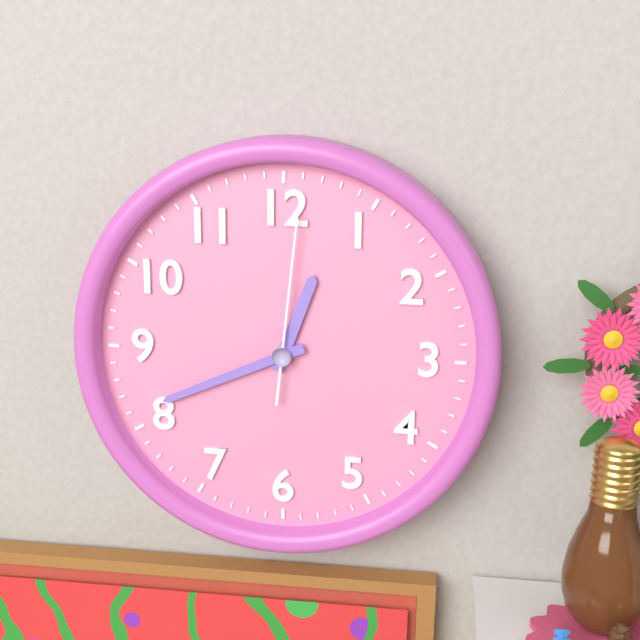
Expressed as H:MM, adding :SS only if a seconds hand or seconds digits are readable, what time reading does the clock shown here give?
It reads 12:41:01
